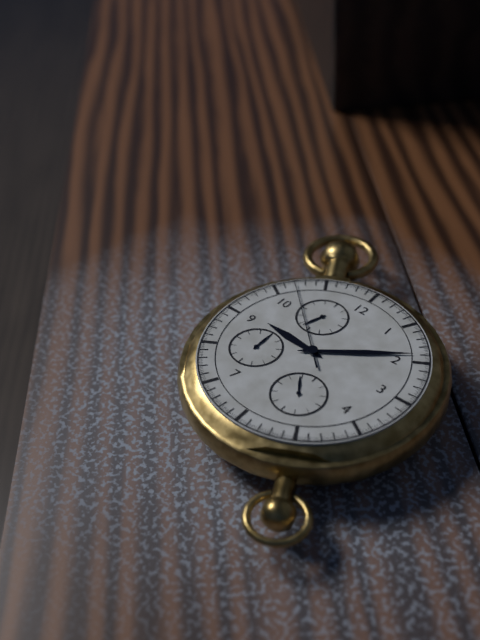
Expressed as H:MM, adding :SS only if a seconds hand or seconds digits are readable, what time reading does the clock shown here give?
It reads 9:09:52
